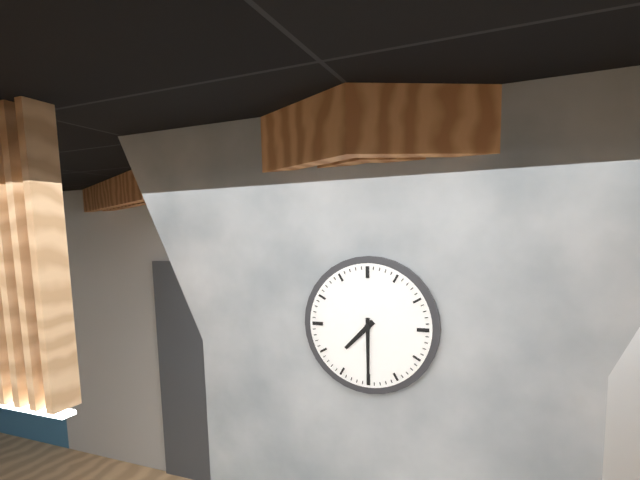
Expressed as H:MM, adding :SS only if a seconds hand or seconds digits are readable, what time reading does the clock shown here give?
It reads 7:30
